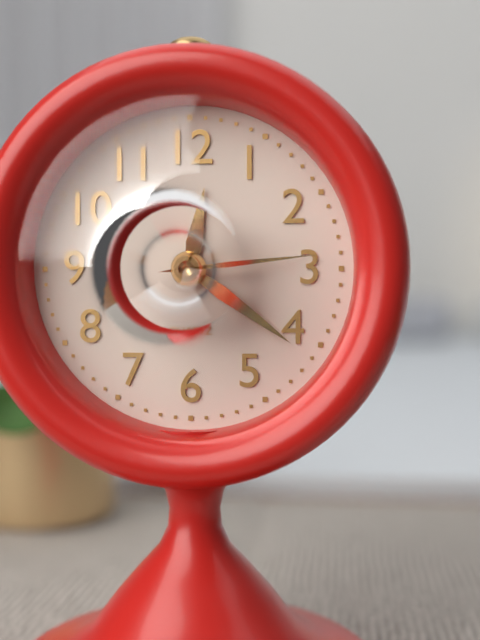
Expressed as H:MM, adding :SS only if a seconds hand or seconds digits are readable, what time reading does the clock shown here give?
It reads 12:21:14
